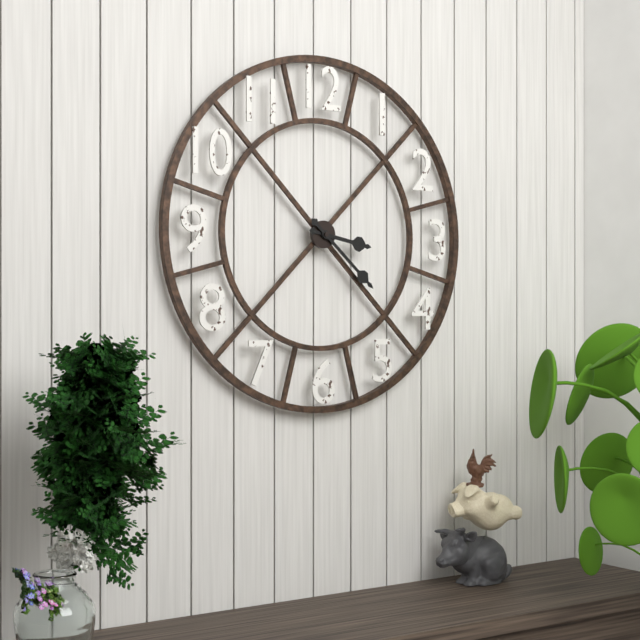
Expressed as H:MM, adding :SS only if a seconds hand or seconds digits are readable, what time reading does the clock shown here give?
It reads 3:22
